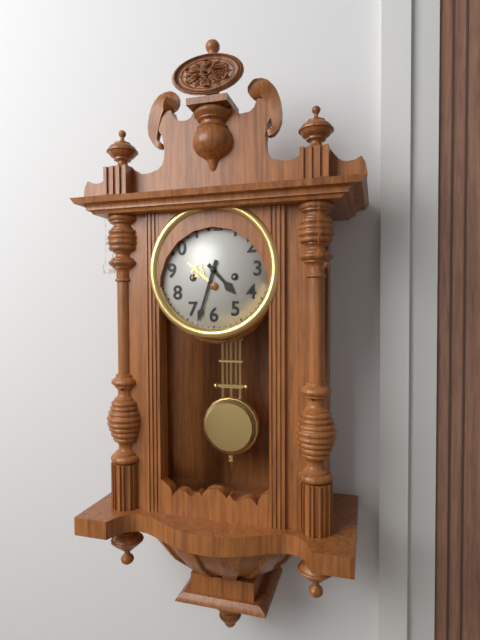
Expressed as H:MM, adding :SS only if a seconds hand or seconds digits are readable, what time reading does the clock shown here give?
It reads 4:33
